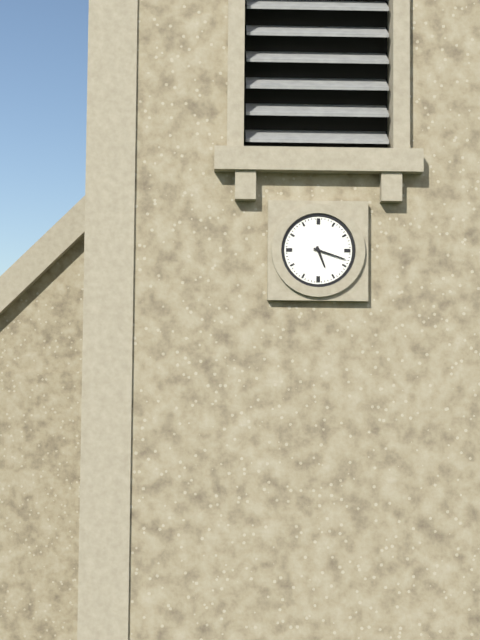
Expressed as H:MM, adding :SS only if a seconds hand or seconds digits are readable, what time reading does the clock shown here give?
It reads 5:18
